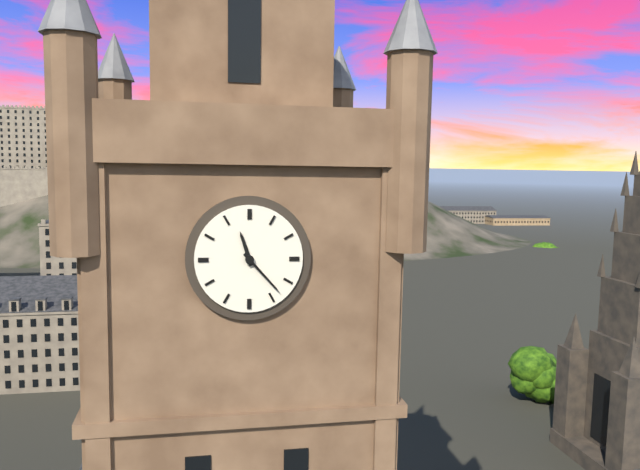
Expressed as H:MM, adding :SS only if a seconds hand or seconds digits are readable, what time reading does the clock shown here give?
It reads 11:23
